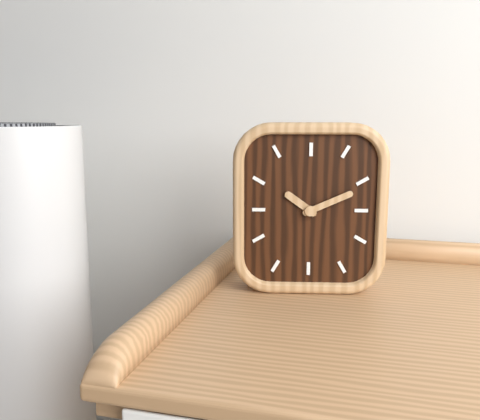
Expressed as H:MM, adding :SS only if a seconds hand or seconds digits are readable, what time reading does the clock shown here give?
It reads 10:11
